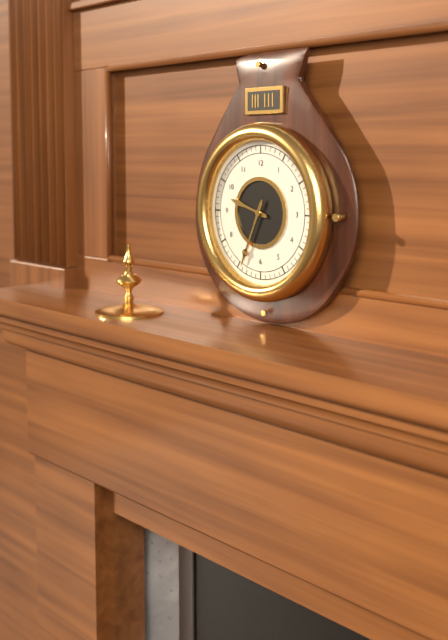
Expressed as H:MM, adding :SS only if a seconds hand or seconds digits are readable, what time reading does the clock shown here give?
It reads 9:34
